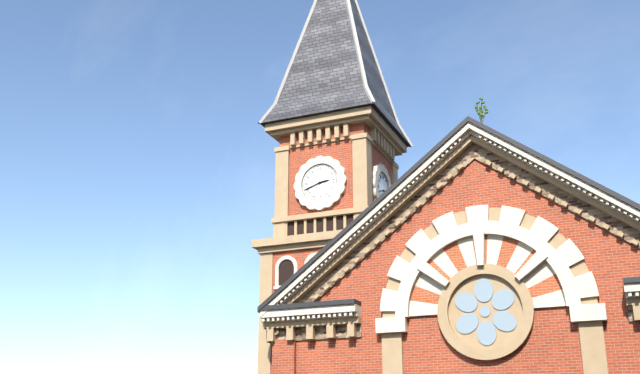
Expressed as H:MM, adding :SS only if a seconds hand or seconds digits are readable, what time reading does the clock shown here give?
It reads 2:42
